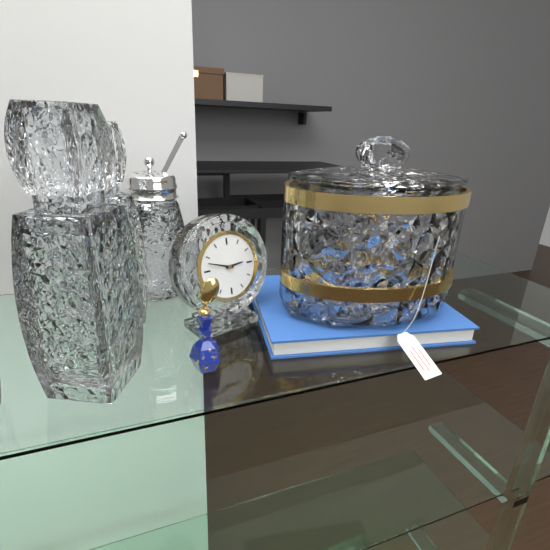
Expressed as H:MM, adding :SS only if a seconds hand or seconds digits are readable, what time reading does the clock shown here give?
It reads 2:48
